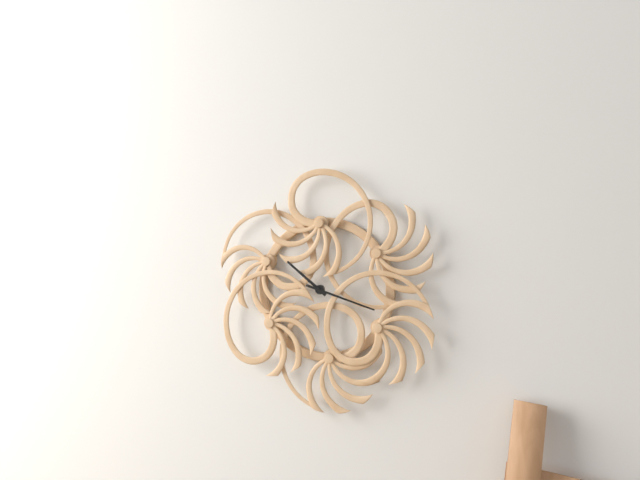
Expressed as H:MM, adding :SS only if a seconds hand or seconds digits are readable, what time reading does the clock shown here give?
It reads 10:18
